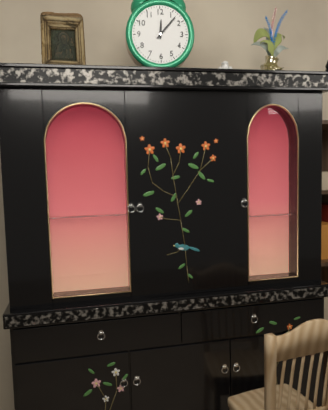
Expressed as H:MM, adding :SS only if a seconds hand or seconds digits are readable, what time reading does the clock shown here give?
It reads 12:07
